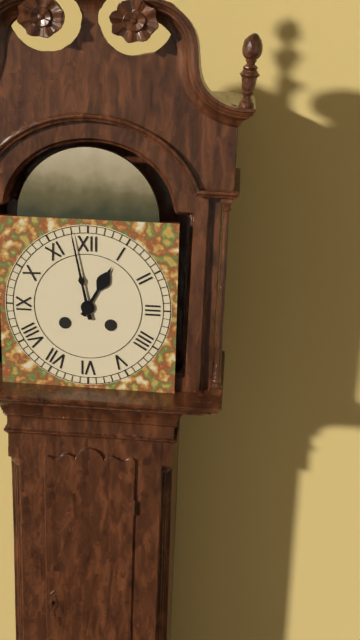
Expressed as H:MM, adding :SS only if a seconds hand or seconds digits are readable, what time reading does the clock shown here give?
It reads 12:58
